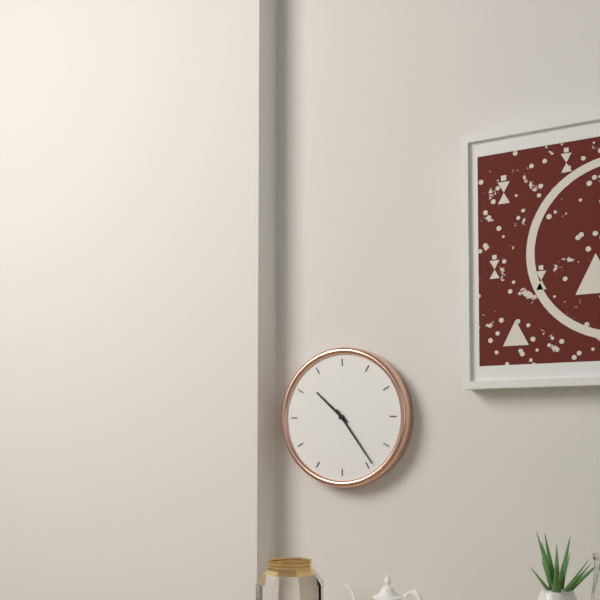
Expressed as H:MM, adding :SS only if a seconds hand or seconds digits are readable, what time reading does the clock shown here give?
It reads 10:24
